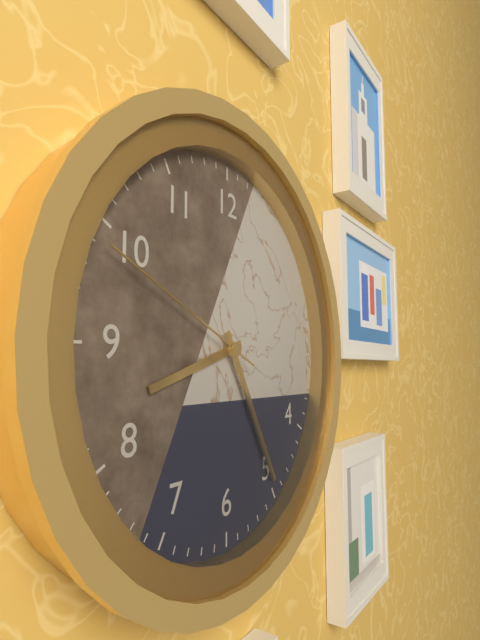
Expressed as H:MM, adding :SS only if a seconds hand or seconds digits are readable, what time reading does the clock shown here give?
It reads 8:25:49
